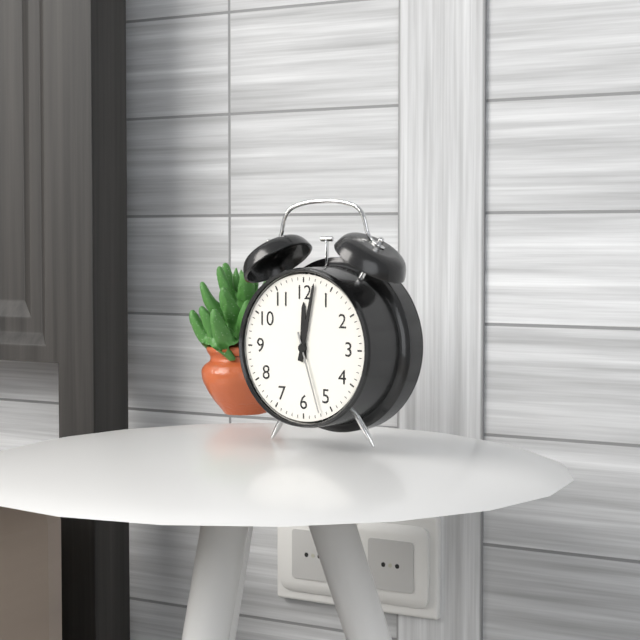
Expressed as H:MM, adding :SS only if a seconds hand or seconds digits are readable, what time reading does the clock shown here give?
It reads 12:02:27
